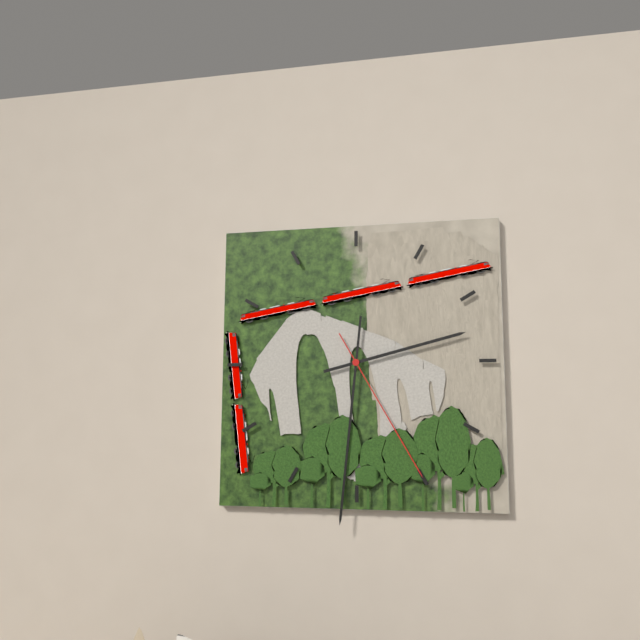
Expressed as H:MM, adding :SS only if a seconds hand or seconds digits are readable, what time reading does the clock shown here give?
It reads 2:31:25
